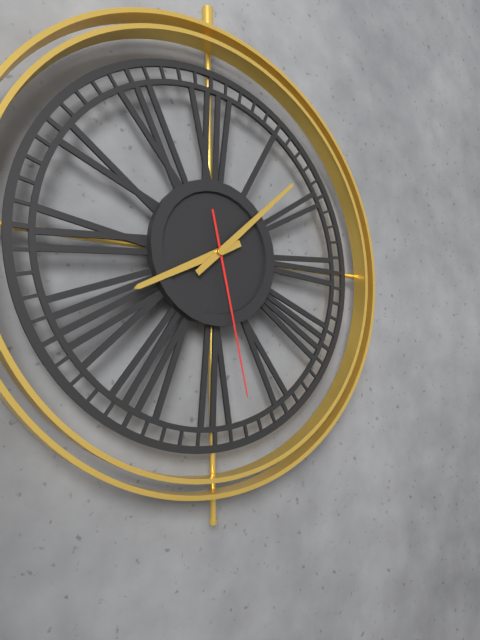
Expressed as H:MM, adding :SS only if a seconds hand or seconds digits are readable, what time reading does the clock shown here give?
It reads 8:08:28
